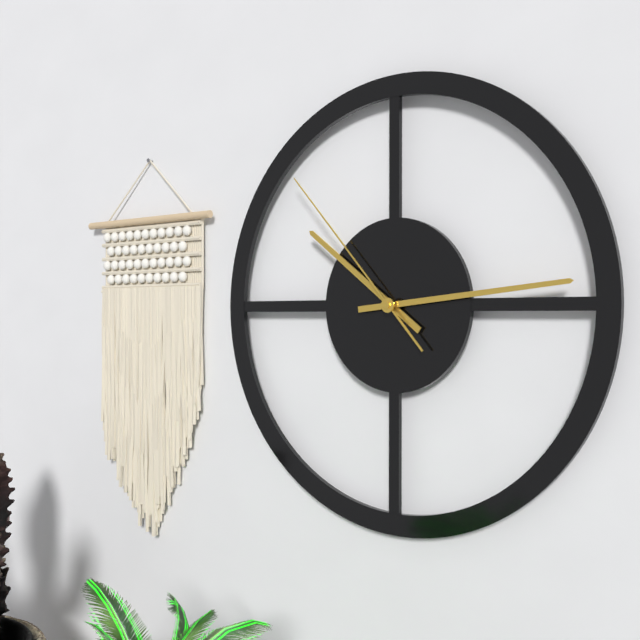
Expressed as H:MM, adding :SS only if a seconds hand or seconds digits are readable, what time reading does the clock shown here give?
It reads 10:14:53
